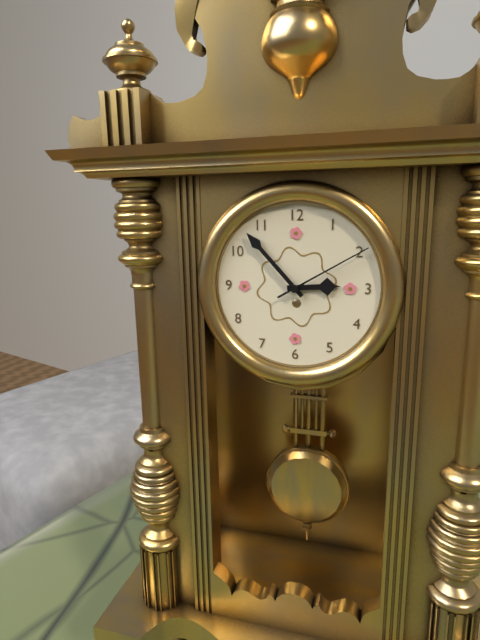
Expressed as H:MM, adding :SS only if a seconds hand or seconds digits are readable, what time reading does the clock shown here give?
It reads 2:53:10
